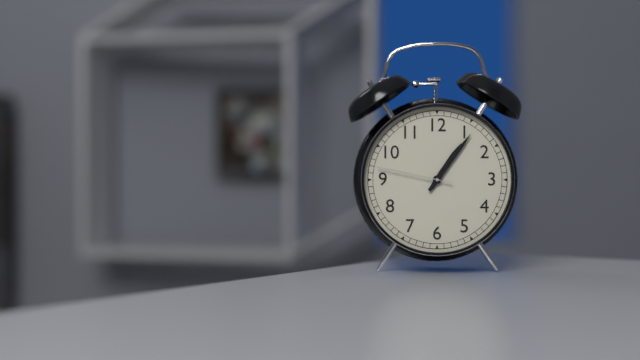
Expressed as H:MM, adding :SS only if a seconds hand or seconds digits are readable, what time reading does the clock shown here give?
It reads 1:06:47
